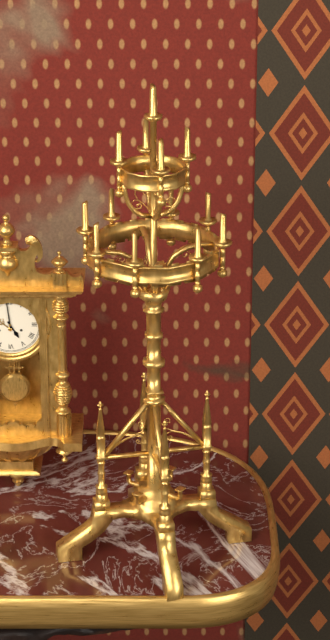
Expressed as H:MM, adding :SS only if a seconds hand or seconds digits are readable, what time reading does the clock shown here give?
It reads 4:59
